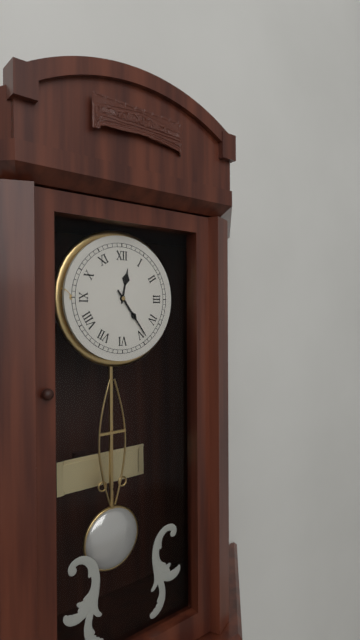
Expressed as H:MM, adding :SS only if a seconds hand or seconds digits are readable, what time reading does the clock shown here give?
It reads 12:24
